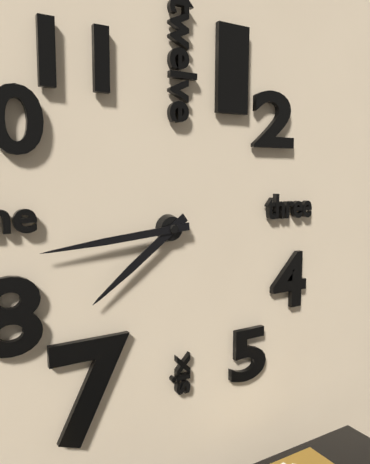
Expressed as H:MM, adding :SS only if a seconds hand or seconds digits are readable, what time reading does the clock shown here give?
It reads 7:44
